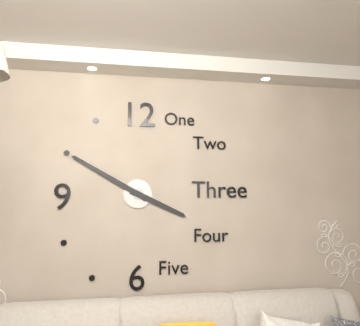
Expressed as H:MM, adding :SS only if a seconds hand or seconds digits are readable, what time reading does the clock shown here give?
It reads 3:50
